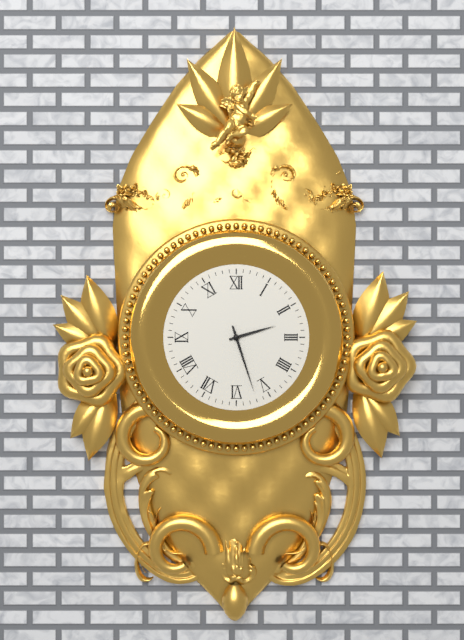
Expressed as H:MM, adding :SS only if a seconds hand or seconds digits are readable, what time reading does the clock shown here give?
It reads 2:27
